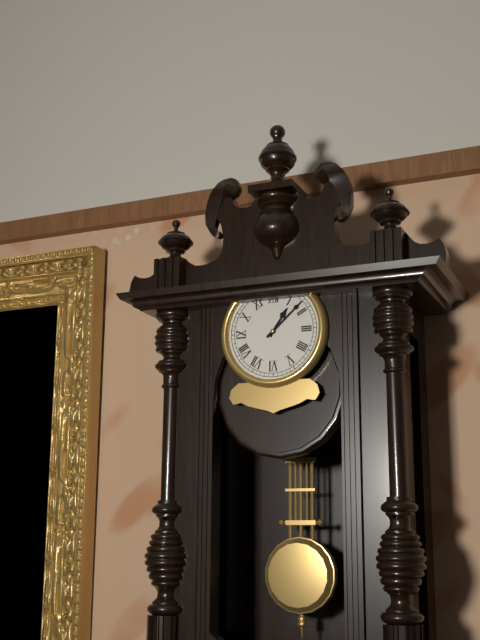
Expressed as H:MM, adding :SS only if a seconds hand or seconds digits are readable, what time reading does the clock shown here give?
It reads 1:08
